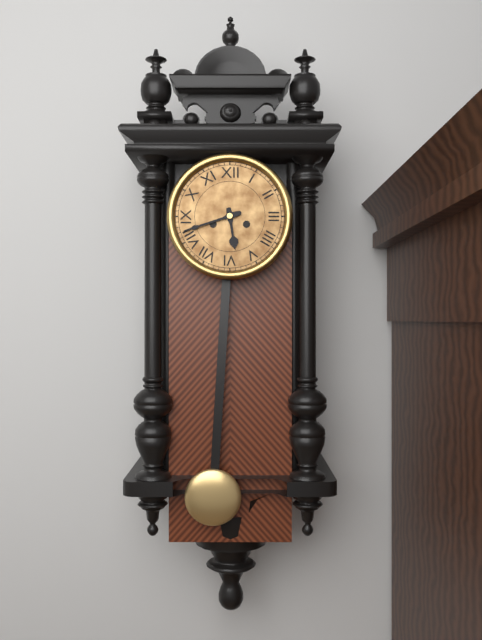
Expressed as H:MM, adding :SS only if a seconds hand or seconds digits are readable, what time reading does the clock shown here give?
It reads 5:42
